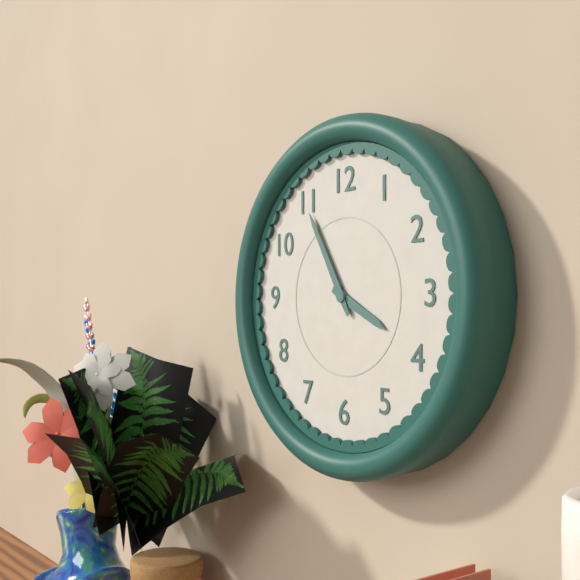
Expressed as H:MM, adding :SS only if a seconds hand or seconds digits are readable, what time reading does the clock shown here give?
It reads 3:55
